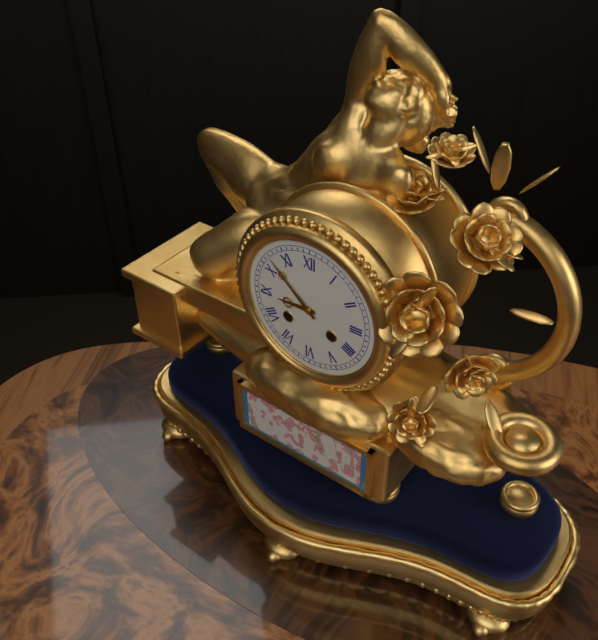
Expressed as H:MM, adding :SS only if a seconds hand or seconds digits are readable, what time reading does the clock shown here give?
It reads 8:52
